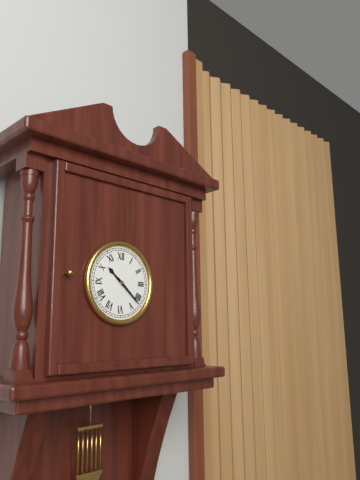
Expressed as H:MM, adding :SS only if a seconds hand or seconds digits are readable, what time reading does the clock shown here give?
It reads 10:22
